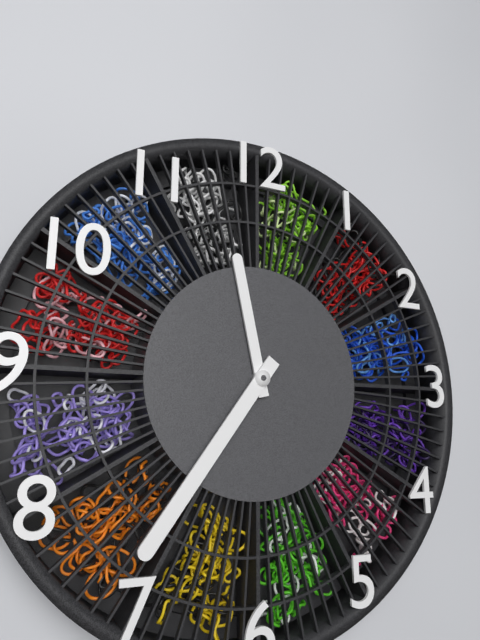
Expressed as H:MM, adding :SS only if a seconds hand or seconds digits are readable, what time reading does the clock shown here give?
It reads 11:36
